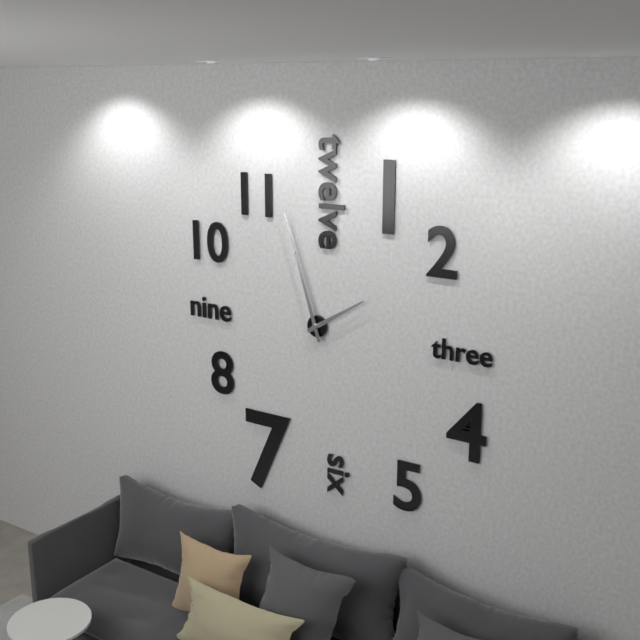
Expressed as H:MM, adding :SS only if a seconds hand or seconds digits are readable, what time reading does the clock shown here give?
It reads 1:57
